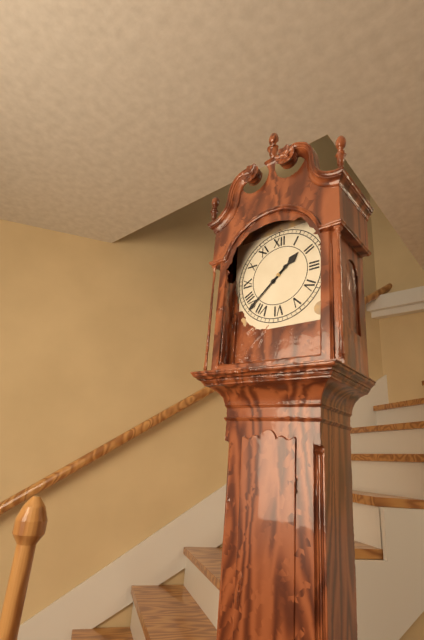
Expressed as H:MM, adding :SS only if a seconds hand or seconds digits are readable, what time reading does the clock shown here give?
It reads 1:38
